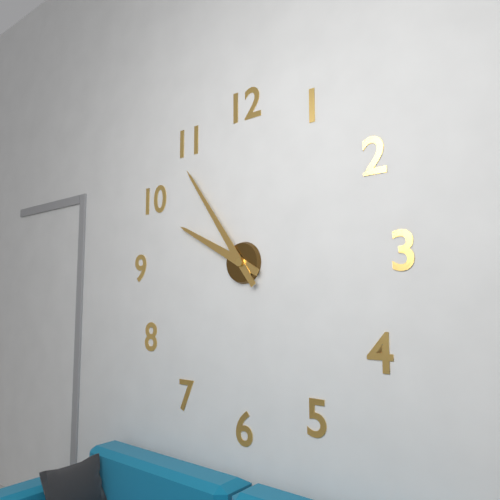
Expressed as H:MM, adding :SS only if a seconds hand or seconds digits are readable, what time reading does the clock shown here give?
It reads 9:54
